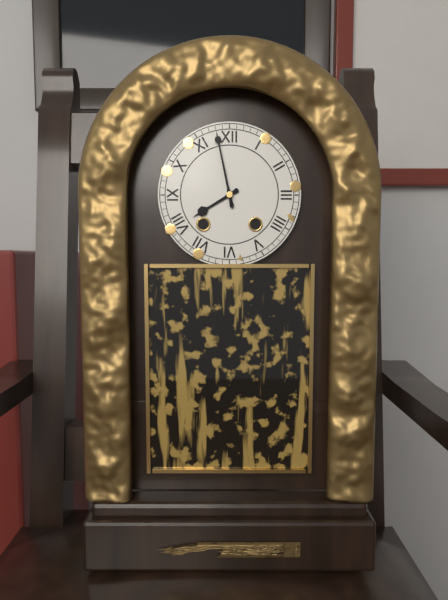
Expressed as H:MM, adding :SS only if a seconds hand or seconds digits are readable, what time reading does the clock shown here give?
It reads 7:58
